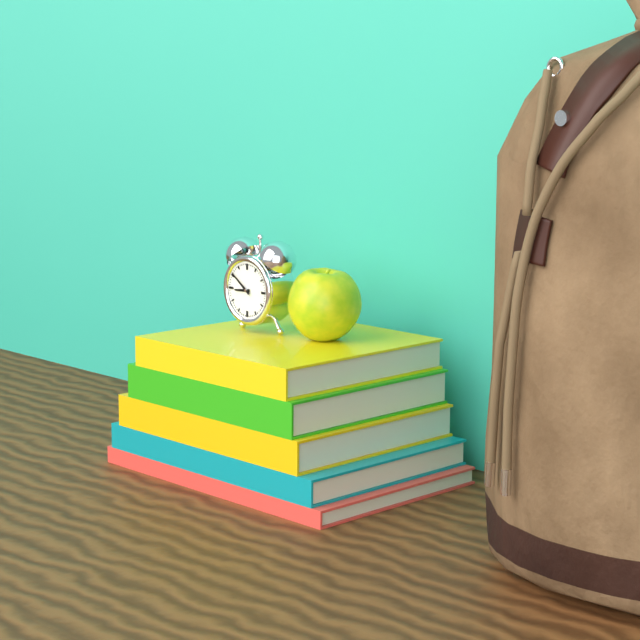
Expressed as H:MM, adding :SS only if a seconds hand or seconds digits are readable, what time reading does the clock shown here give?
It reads 8:51
